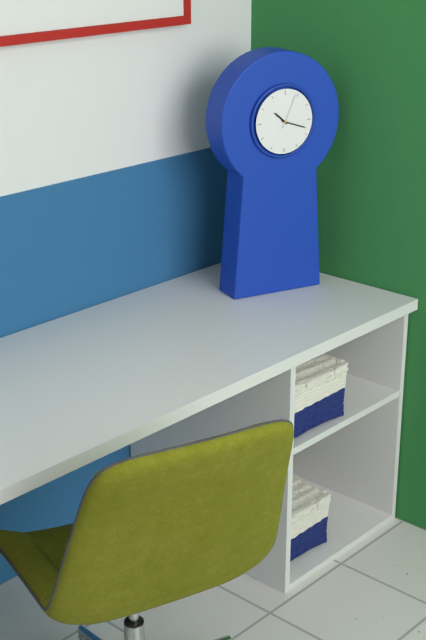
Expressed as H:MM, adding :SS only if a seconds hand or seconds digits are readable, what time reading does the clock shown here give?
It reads 10:18
